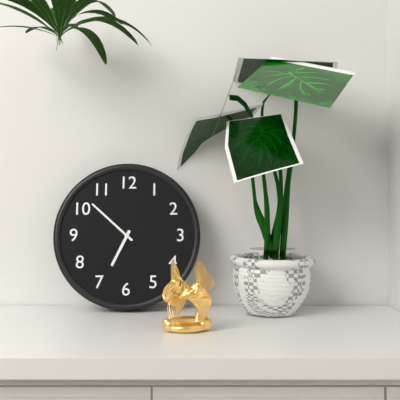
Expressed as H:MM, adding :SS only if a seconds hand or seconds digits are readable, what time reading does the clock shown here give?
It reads 6:52
